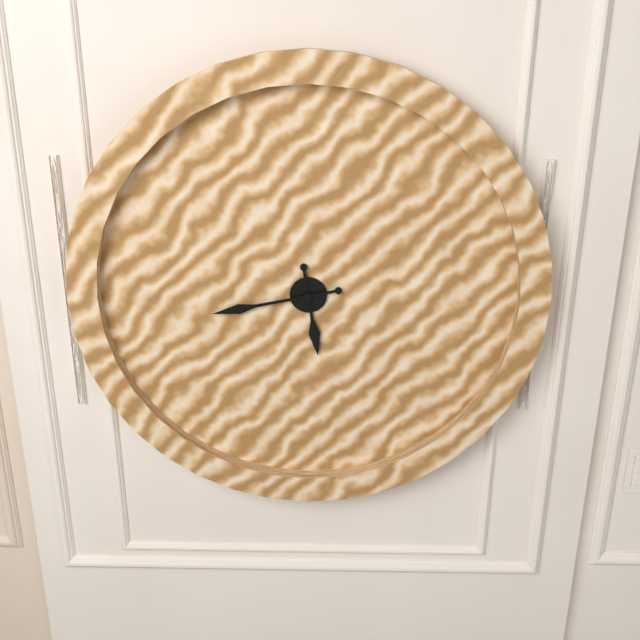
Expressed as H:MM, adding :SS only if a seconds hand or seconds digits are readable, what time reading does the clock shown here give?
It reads 5:43
